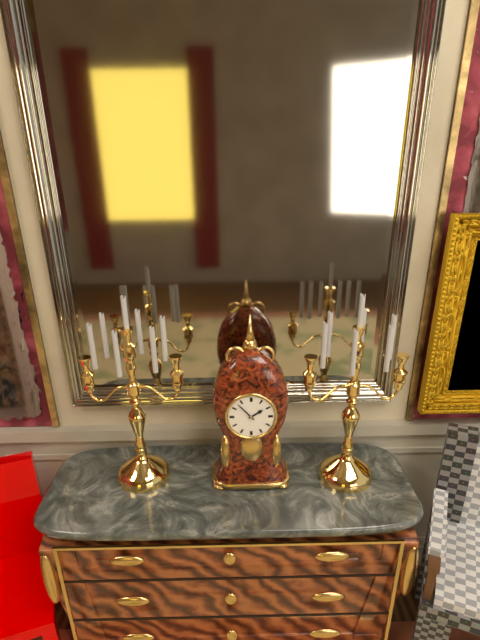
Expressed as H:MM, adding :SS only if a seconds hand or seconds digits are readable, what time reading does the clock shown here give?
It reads 1:53
